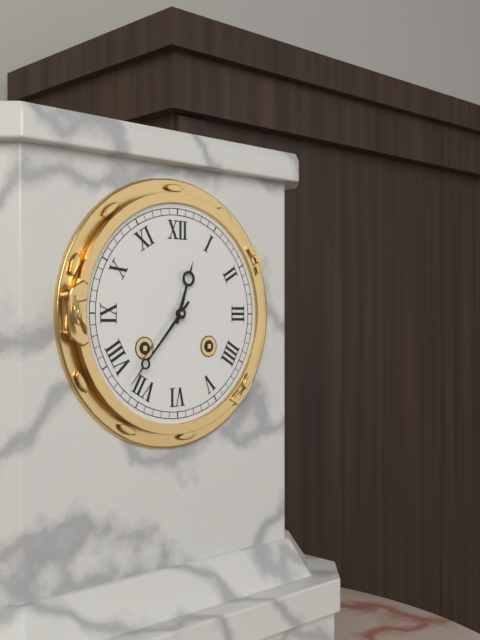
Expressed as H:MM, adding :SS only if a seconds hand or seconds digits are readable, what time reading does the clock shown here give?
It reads 12:37
